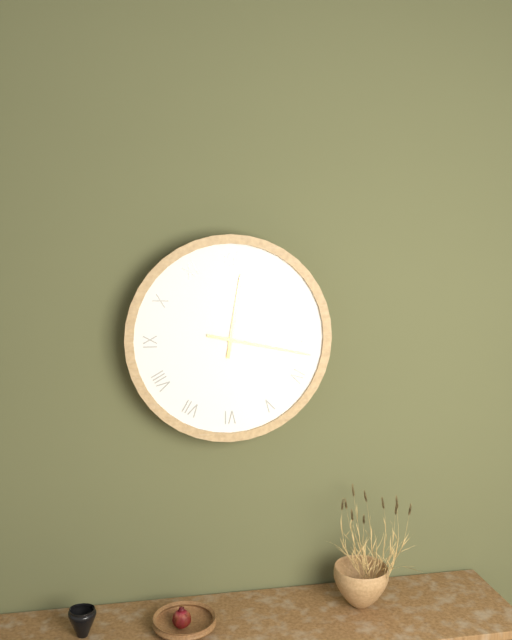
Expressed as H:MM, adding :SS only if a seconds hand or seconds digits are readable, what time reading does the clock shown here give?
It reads 12:17
